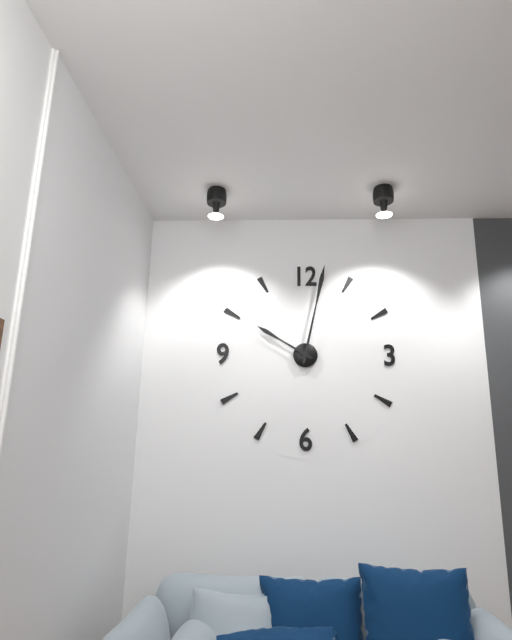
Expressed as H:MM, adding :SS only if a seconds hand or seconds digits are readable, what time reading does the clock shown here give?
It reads 10:02
